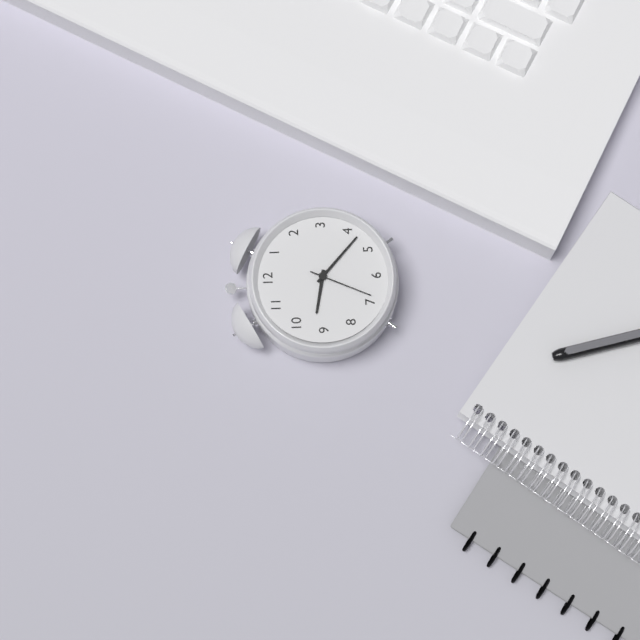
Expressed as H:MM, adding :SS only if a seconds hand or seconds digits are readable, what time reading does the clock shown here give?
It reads 9:22:34
